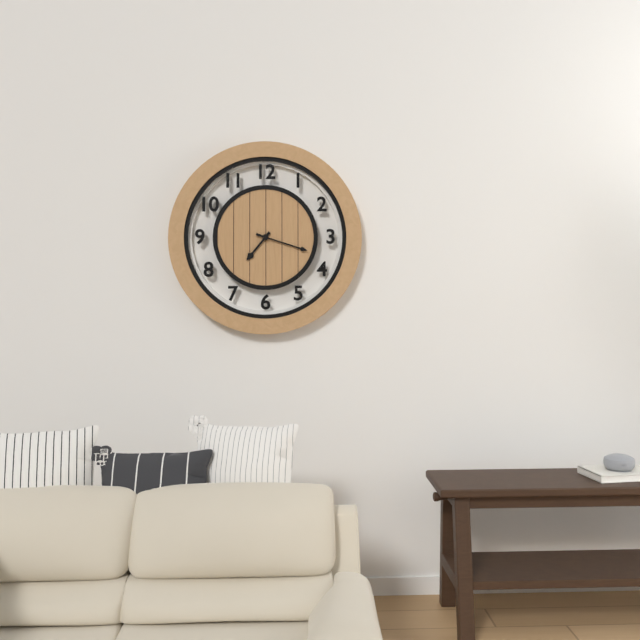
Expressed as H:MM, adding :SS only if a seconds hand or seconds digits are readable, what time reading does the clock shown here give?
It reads 7:18
